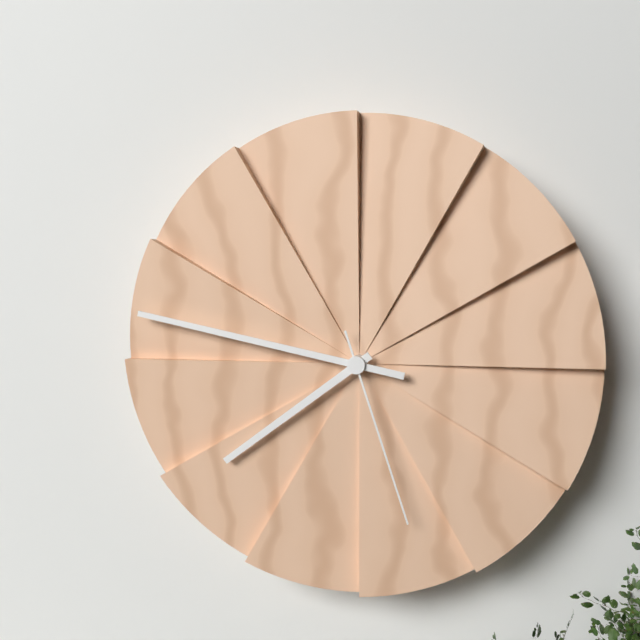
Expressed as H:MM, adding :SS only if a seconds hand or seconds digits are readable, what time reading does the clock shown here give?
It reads 7:47:27
